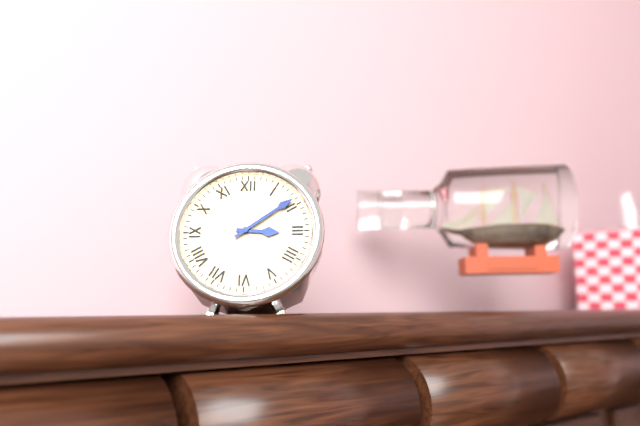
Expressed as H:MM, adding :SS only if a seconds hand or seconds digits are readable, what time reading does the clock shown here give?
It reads 3:09
